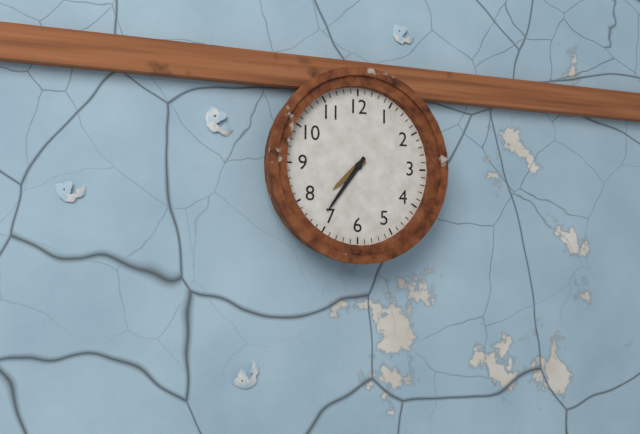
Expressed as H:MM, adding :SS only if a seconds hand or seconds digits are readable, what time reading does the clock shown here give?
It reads 7:36
